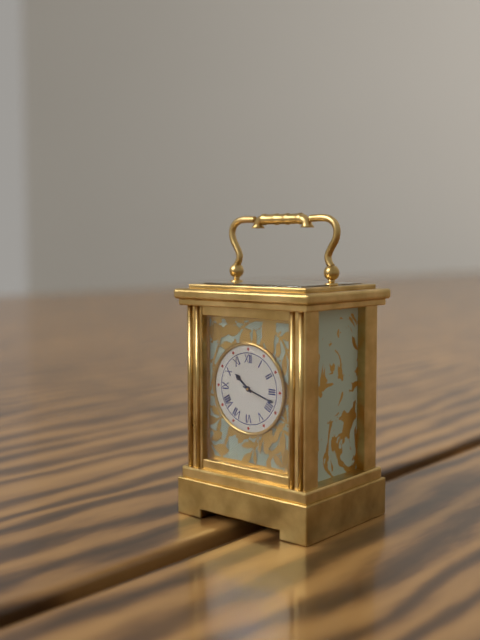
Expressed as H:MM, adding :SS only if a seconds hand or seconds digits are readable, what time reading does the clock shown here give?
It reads 10:18
